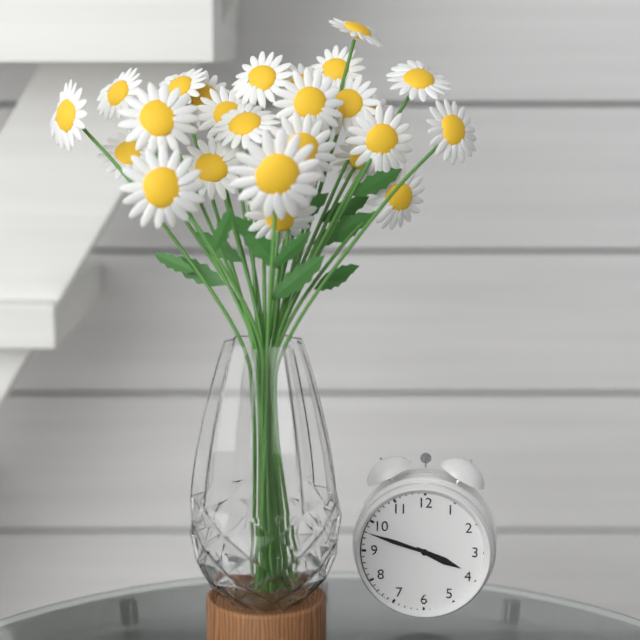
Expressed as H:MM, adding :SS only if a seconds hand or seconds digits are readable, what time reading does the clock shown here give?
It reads 3:48
